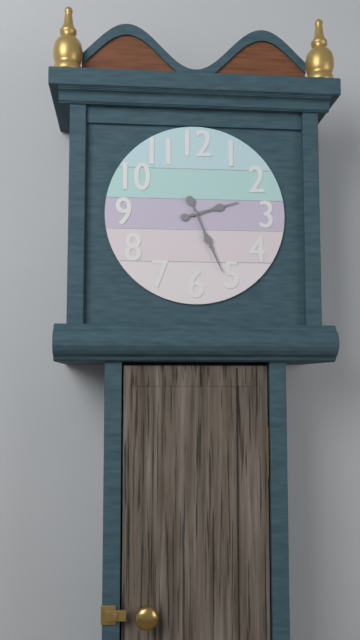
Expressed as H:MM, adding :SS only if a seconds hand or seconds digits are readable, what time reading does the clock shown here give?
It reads 2:26
